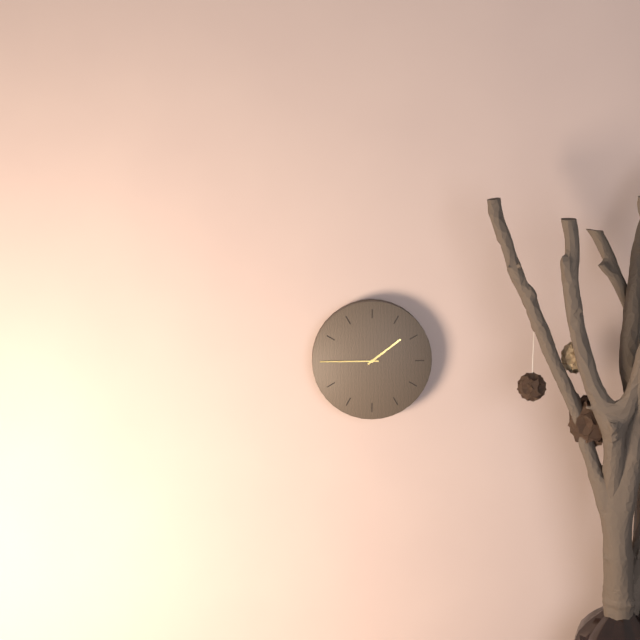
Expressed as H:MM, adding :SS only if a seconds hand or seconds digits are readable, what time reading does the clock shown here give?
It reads 1:45
